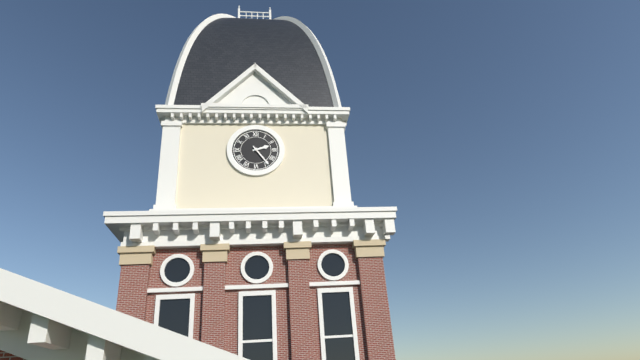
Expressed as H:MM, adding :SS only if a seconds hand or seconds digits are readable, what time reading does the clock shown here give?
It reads 2:24
